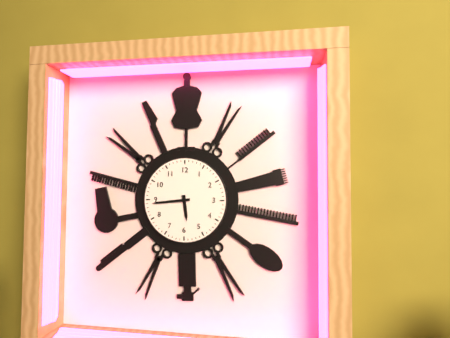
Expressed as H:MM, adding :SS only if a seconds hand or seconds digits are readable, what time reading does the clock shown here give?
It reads 5:44
